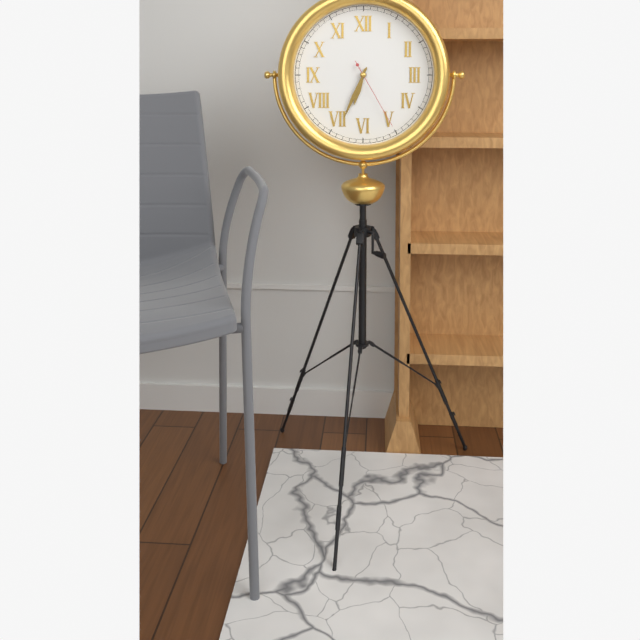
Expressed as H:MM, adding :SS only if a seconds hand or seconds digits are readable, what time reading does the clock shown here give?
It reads 6:34:25
